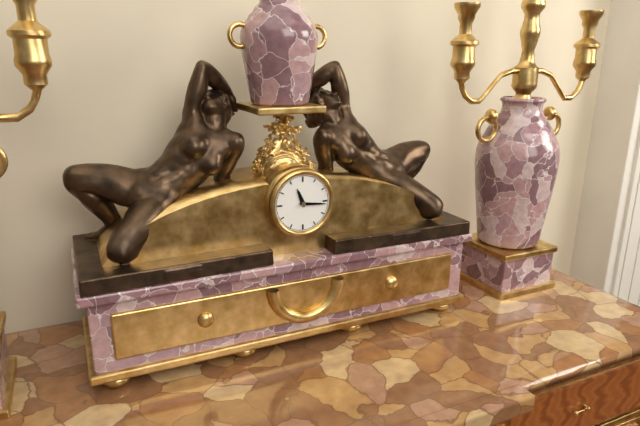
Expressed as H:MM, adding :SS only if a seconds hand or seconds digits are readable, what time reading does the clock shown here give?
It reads 11:16
